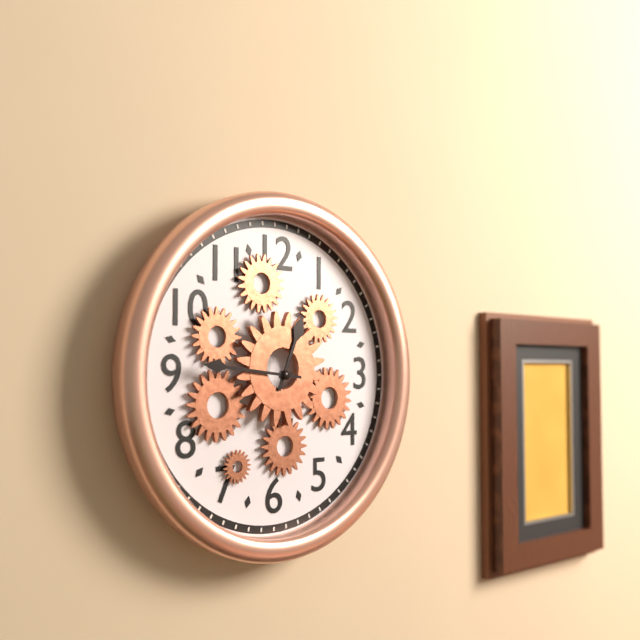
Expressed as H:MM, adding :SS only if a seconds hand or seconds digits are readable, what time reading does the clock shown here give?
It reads 12:46
